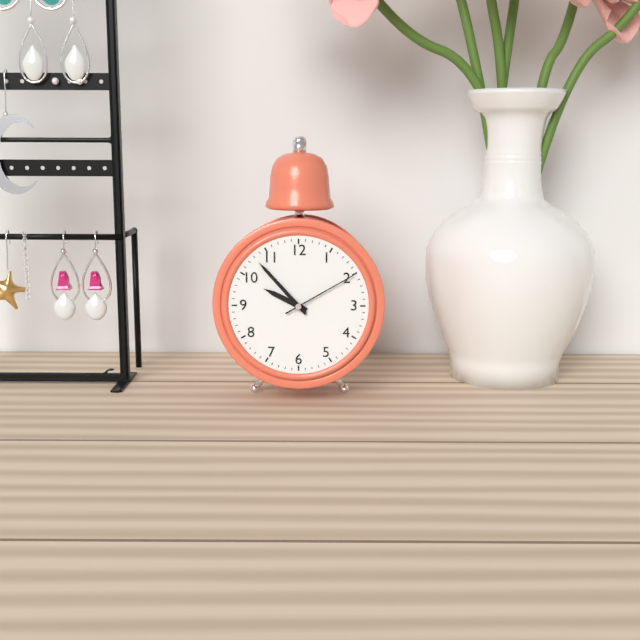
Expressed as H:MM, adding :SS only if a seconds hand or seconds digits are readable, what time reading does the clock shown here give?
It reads 9:53:10
